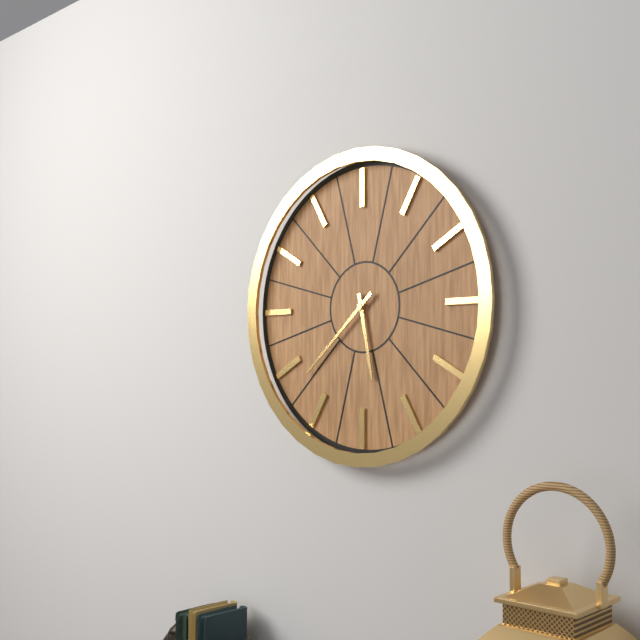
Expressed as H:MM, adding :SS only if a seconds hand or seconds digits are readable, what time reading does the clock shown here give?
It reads 5:38
